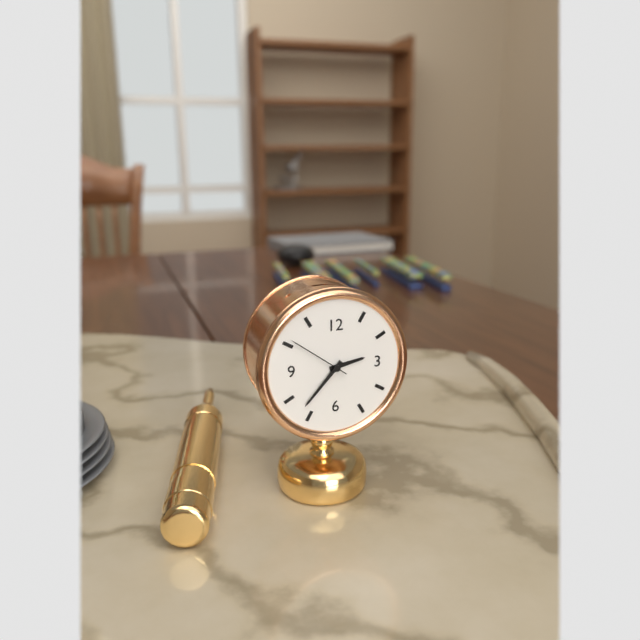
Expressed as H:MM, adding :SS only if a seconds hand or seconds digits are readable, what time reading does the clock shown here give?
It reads 2:37:51
